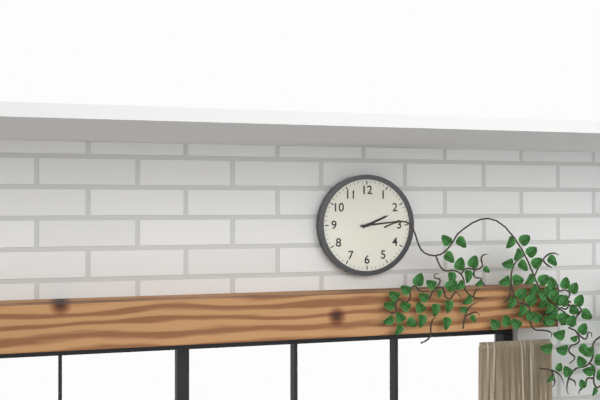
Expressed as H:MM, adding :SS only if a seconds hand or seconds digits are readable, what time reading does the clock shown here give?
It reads 2:14
